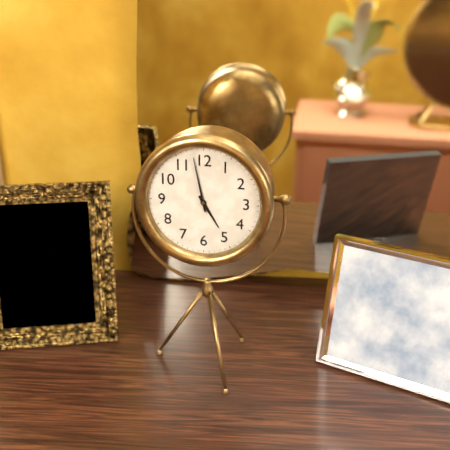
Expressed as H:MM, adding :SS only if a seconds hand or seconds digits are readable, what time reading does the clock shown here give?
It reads 4:58
